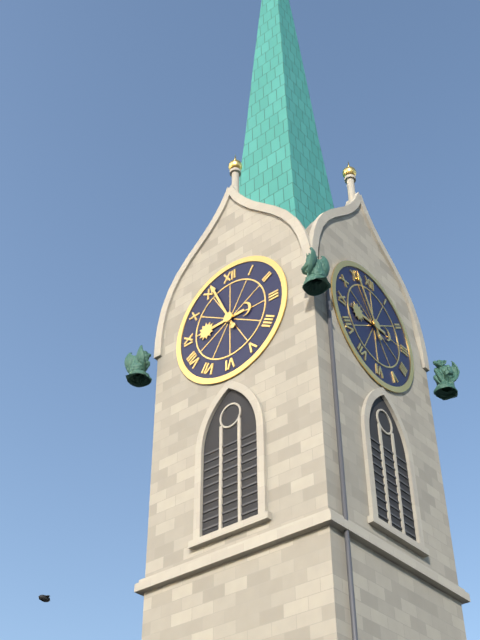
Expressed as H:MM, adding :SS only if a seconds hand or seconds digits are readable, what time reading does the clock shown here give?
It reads 8:56
